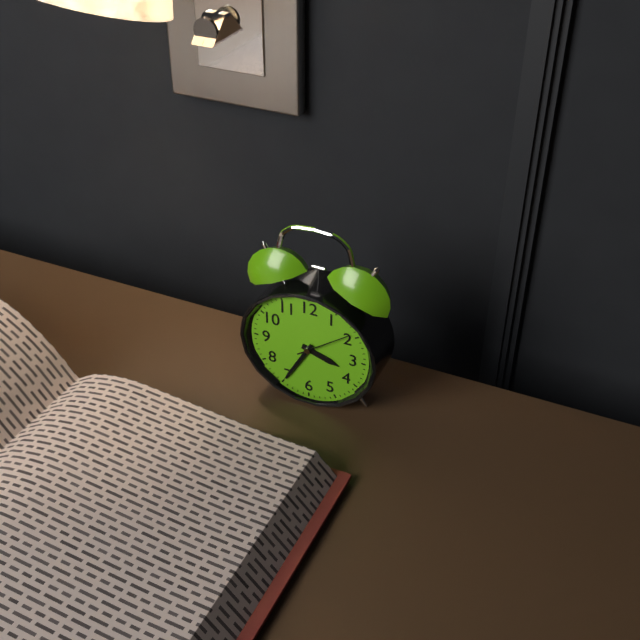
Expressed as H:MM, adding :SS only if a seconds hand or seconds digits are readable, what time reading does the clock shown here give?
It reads 3:35:09
